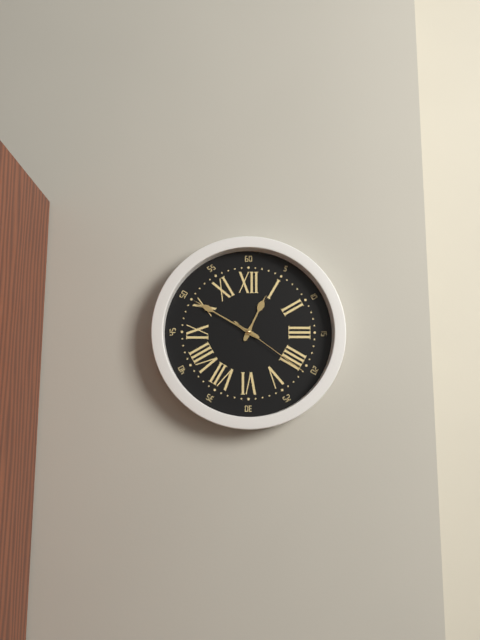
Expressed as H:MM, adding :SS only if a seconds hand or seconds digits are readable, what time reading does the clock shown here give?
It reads 12:50:21
